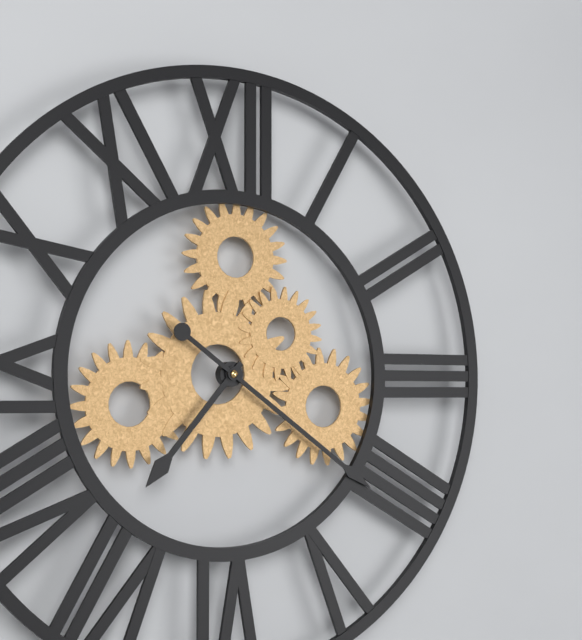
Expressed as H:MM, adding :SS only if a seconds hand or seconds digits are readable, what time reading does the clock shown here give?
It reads 7:21
